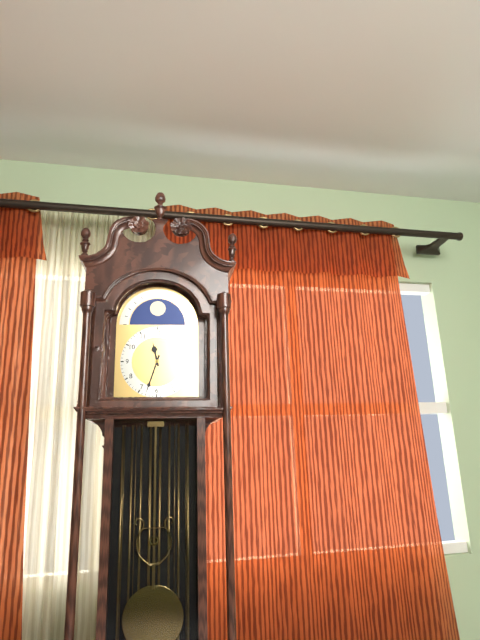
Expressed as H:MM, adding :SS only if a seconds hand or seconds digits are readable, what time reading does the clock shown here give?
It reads 11:33
